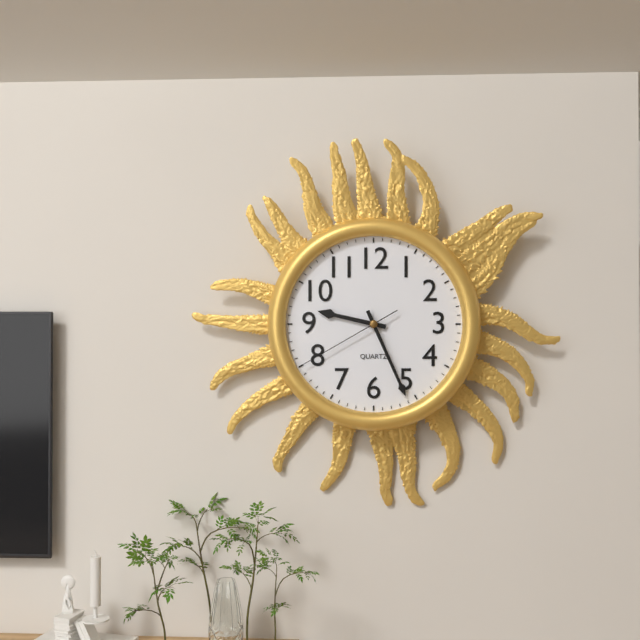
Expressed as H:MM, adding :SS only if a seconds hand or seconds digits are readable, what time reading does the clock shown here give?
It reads 9:26:40
